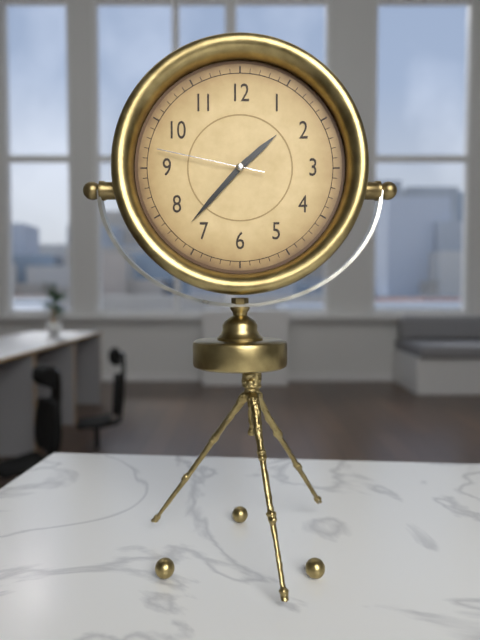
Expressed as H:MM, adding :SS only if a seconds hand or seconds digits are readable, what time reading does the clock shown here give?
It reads 1:37:47
